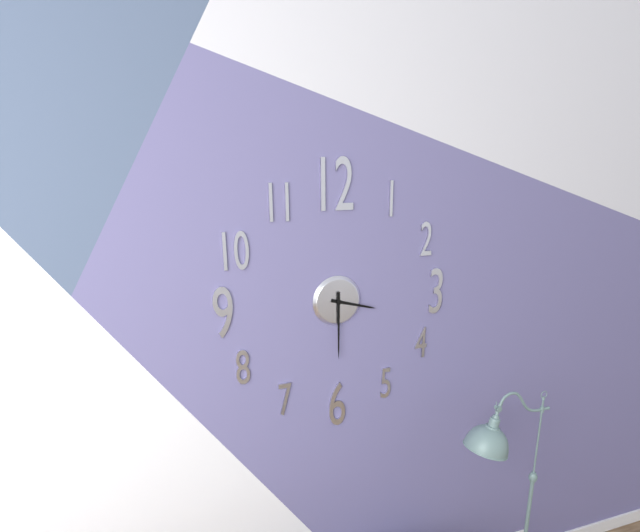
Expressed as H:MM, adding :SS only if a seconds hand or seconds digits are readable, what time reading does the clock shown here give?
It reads 3:30
